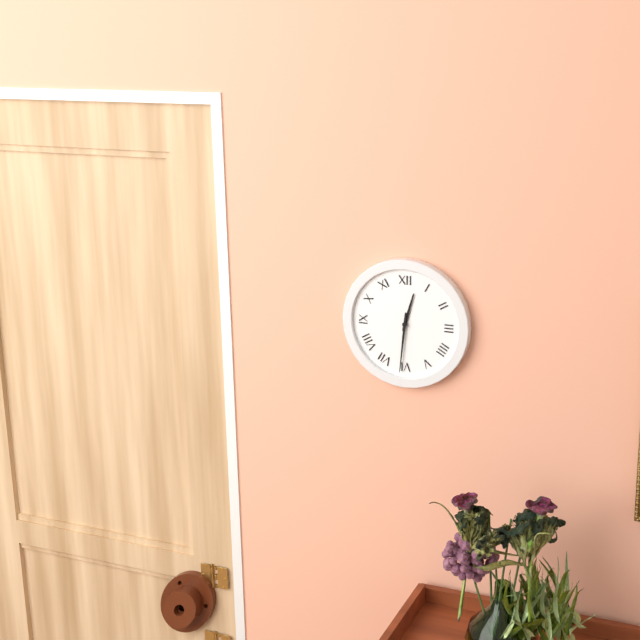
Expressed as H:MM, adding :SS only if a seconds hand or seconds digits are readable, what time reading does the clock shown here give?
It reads 12:31
